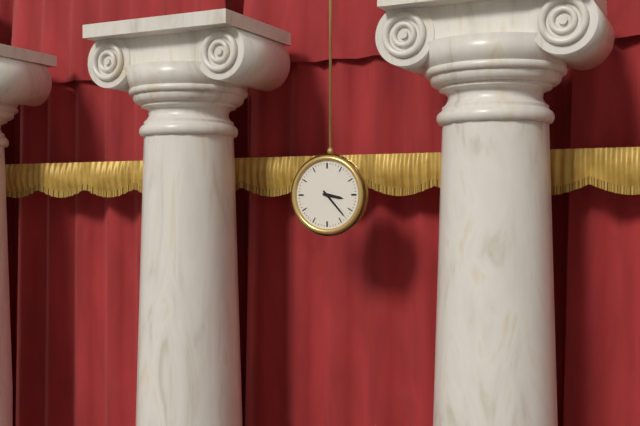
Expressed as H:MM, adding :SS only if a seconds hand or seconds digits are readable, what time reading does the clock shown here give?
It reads 3:23
